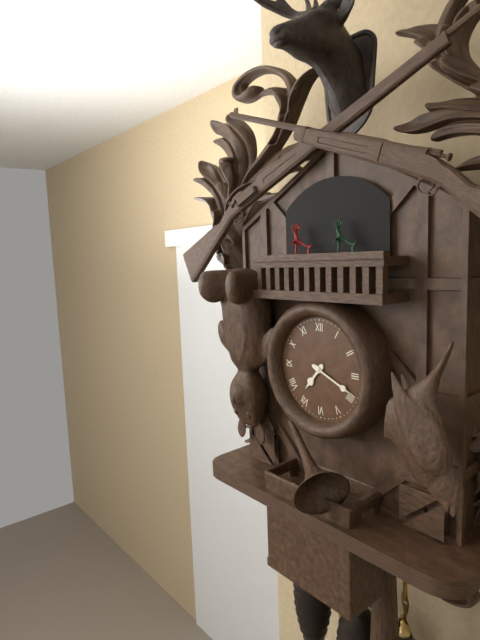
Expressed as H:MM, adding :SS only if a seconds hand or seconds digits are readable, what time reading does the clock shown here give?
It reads 7:19
